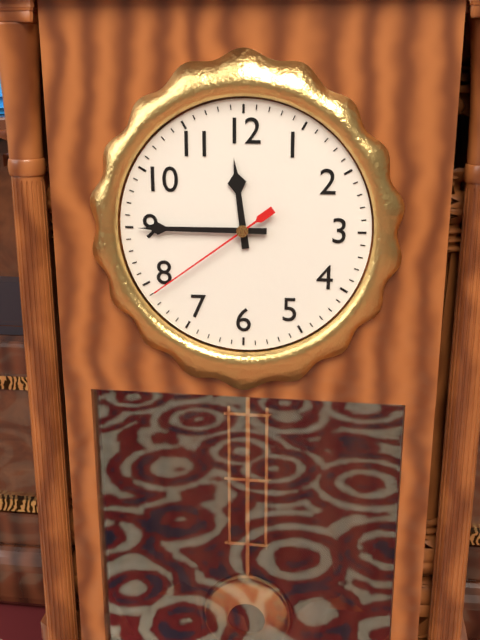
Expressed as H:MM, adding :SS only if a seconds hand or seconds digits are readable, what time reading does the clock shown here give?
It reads 11:45:39
